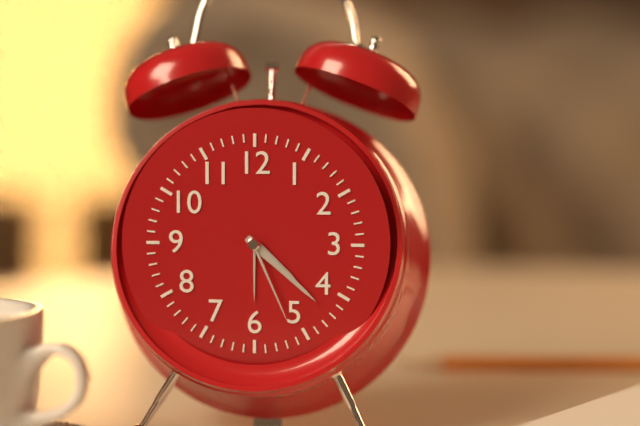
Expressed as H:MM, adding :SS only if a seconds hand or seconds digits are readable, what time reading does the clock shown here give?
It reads 4:22:26
